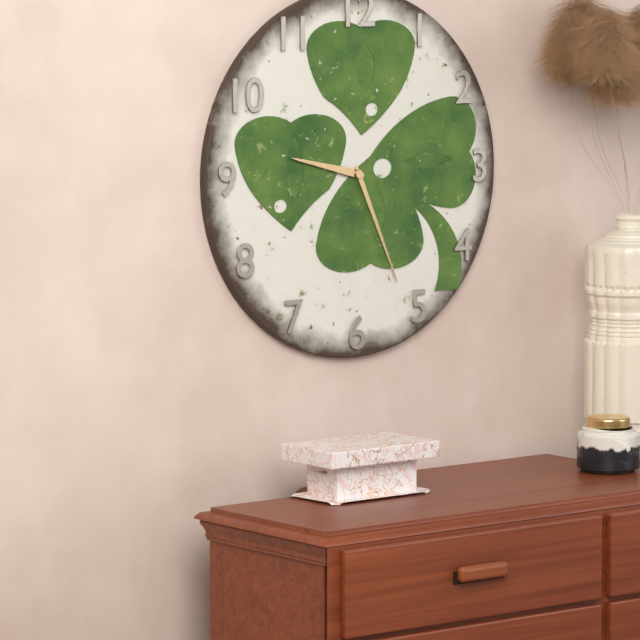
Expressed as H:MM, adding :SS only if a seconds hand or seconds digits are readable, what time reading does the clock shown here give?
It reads 9:26
